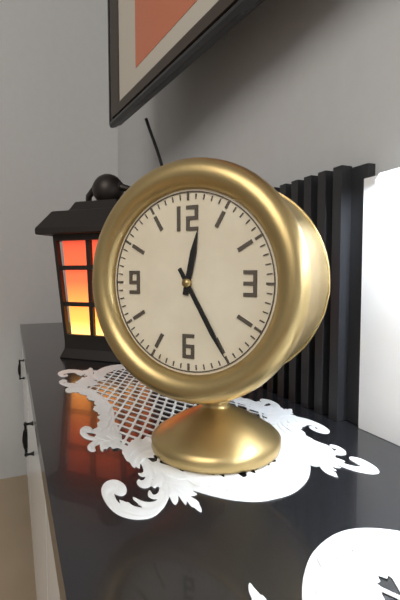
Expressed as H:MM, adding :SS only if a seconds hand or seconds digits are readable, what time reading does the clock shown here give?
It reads 12:25
